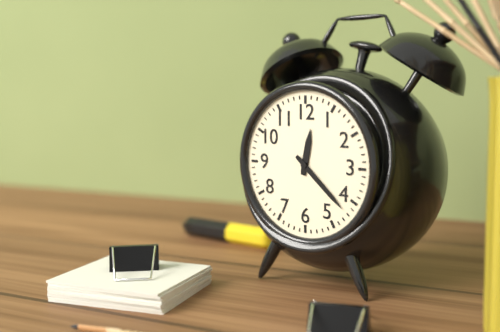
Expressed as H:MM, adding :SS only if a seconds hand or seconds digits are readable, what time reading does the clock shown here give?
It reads 12:22
